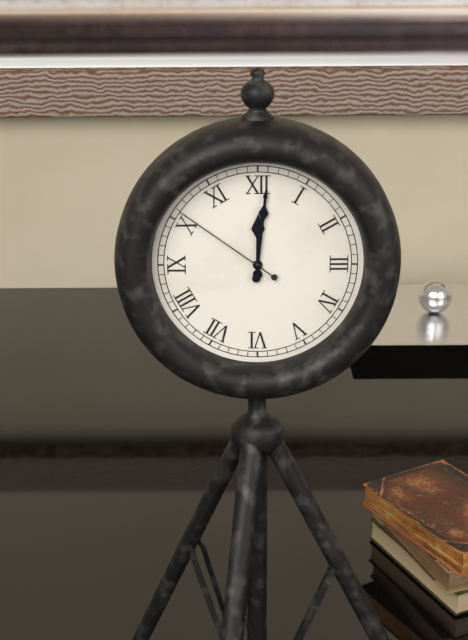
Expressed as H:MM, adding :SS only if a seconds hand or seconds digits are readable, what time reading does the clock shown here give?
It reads 12:01:51
